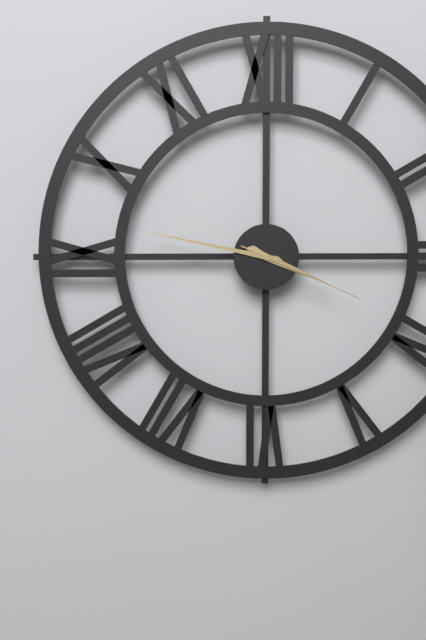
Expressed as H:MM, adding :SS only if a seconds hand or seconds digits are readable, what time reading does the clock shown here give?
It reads 3:47:19
